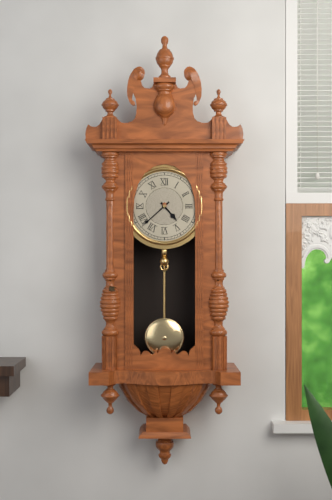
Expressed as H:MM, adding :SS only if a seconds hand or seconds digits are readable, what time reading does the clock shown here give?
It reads 4:38
